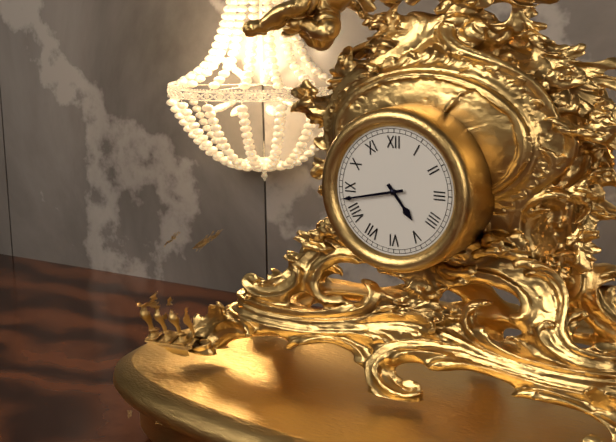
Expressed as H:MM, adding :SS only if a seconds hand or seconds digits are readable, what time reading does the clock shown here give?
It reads 4:43
